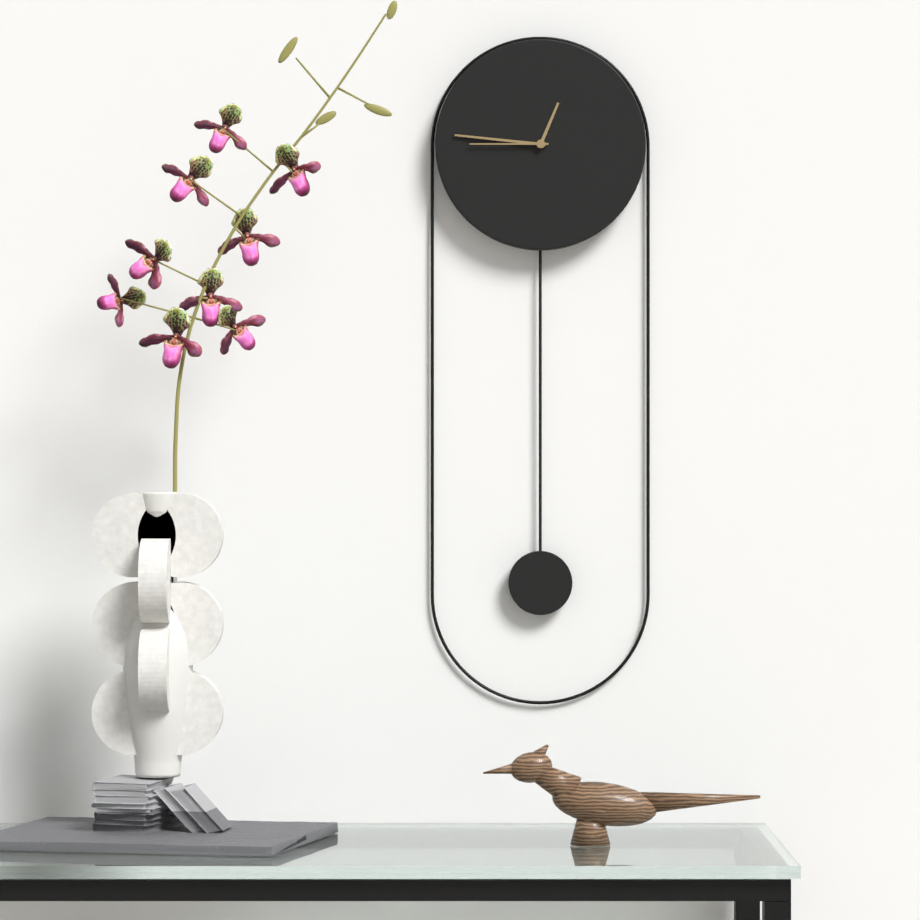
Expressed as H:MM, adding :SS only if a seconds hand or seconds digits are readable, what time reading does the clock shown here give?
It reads 12:46:45
